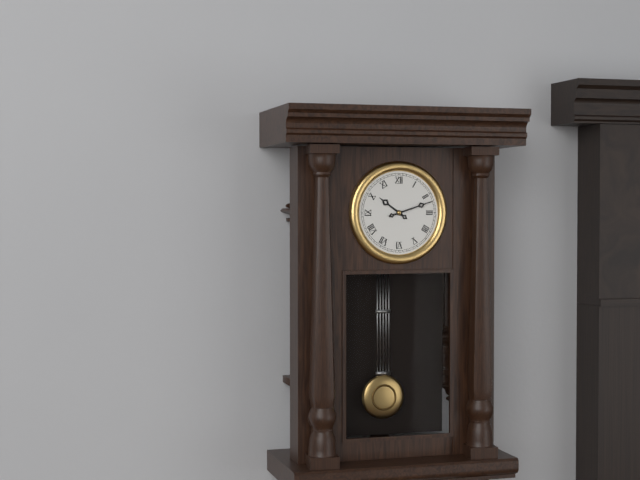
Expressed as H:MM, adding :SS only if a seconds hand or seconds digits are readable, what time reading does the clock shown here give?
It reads 10:12
